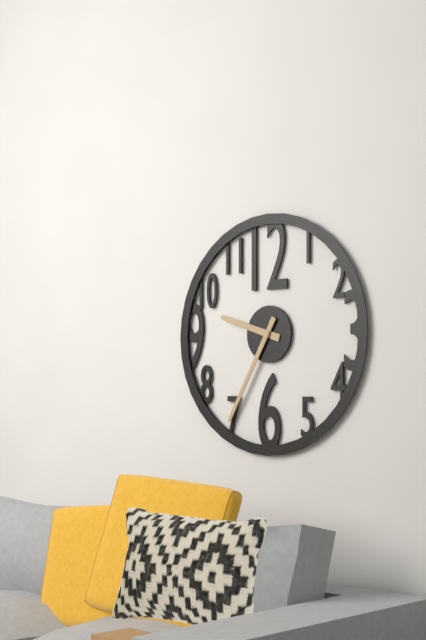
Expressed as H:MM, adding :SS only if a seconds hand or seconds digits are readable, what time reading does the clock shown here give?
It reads 9:35
